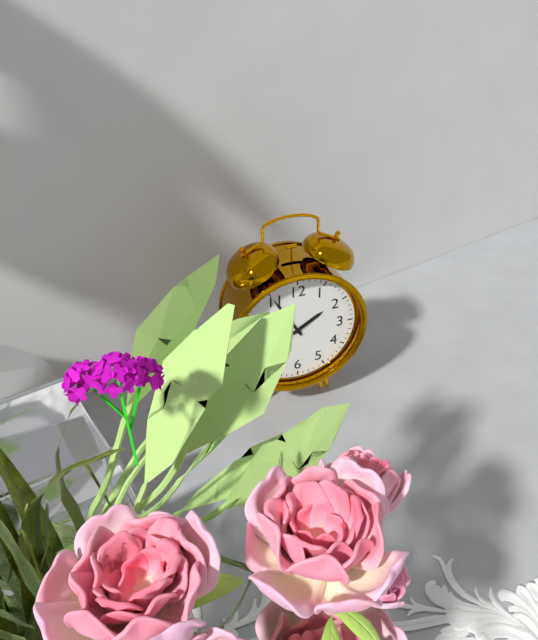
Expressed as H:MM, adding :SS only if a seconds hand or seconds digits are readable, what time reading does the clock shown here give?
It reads 1:55
